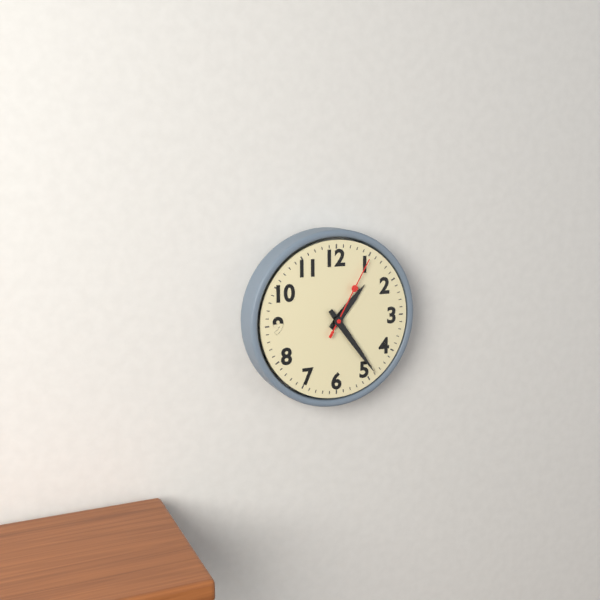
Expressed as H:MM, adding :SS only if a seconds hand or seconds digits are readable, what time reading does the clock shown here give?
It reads 1:24:05
